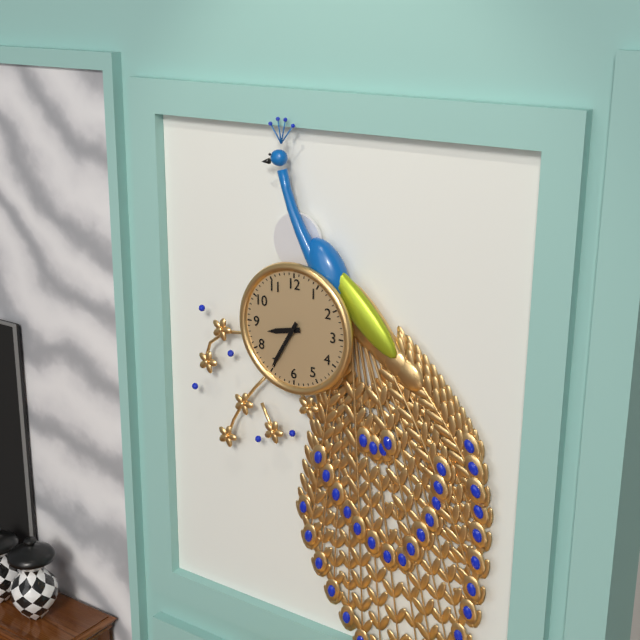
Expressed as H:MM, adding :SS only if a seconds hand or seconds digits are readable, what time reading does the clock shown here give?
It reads 8:35
